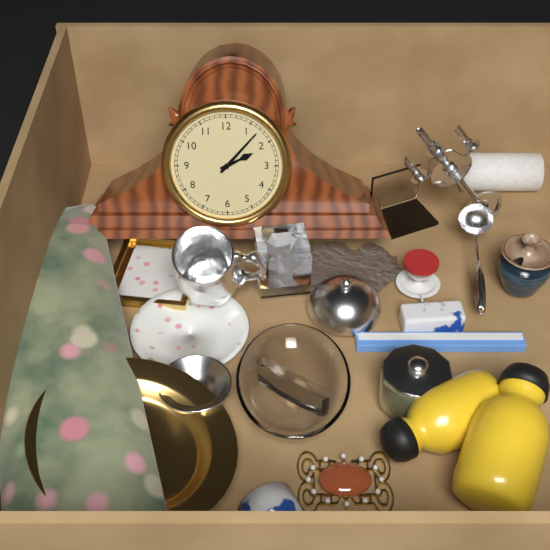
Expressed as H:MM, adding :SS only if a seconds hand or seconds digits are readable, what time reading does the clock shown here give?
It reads 2:07
